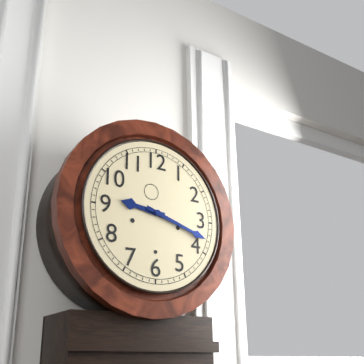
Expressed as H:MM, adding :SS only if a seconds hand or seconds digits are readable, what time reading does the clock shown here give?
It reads 9:18
